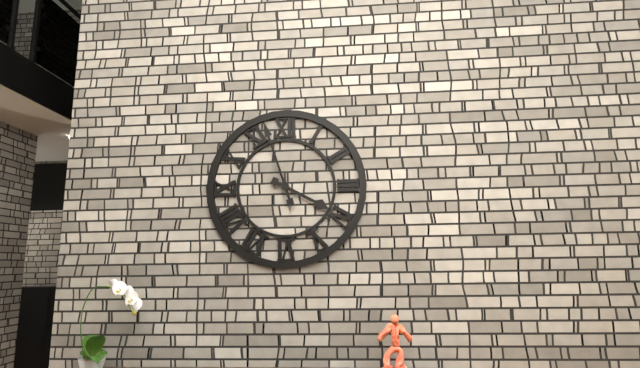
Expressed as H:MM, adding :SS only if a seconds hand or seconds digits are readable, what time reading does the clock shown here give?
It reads 3:57
